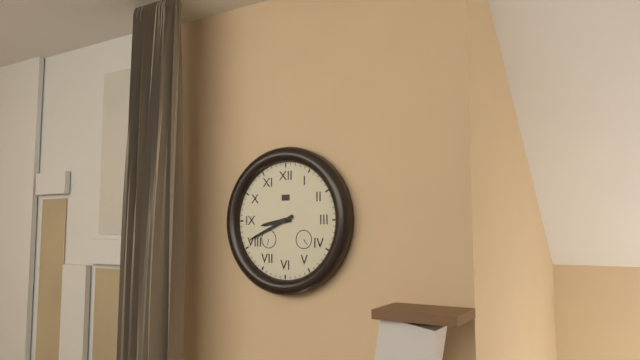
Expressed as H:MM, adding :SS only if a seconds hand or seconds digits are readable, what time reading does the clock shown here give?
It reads 8:41
